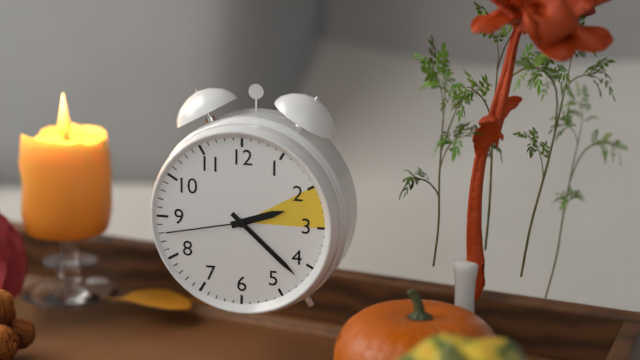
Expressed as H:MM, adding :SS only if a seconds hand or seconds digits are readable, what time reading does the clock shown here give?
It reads 2:22:43
